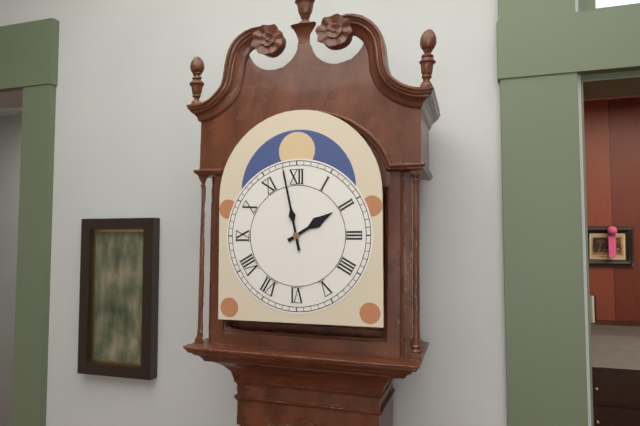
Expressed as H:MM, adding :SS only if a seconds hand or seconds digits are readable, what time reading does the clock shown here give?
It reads 1:58
